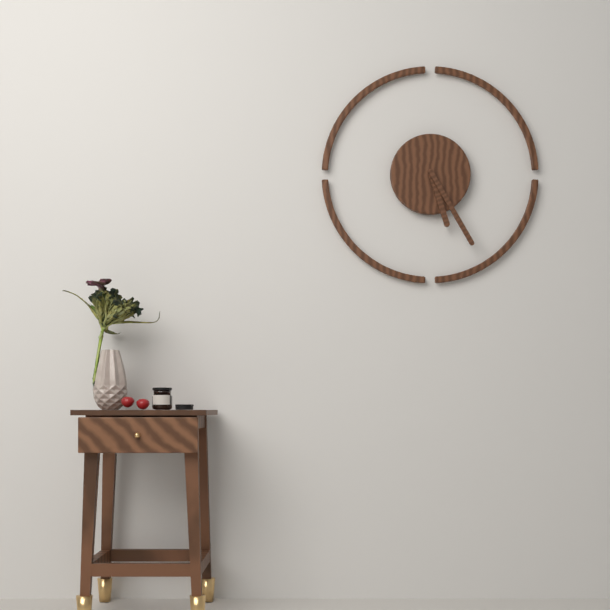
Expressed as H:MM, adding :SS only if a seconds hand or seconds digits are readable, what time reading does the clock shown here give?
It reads 5:25
